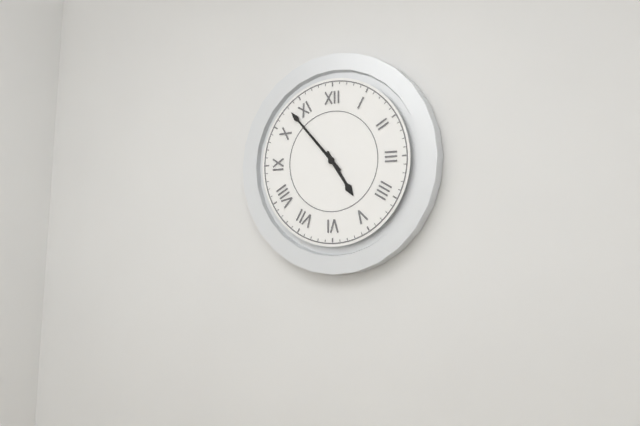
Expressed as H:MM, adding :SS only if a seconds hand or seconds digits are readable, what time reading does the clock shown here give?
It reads 4:53
